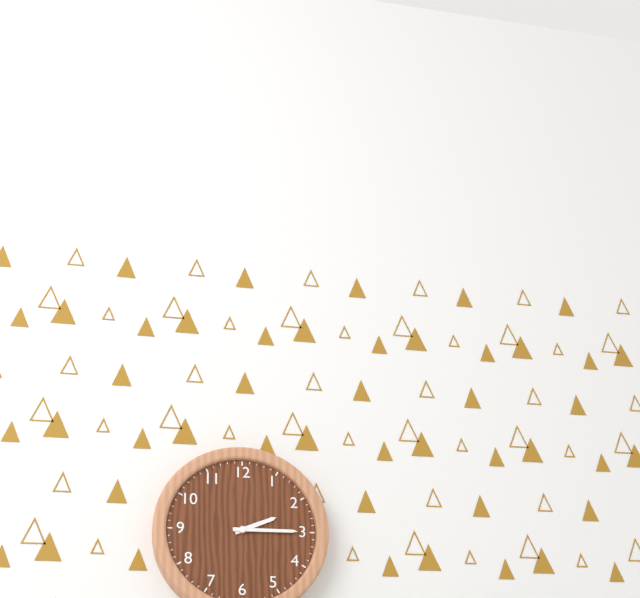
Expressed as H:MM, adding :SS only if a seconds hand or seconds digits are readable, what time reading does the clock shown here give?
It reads 2:15
